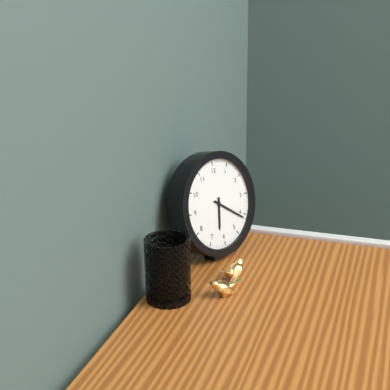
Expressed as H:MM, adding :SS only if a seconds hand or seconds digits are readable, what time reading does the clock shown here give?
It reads 6:21
